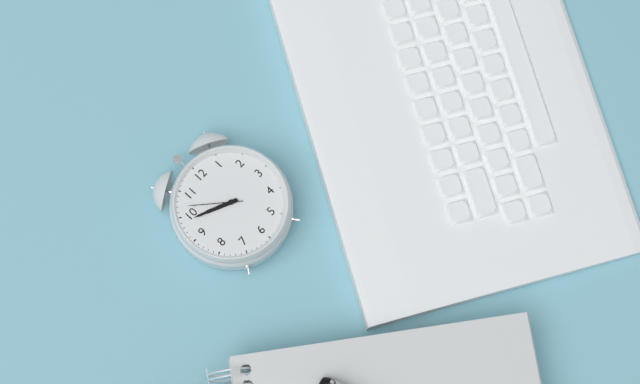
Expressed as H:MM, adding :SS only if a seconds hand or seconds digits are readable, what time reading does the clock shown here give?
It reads 9:49:52
